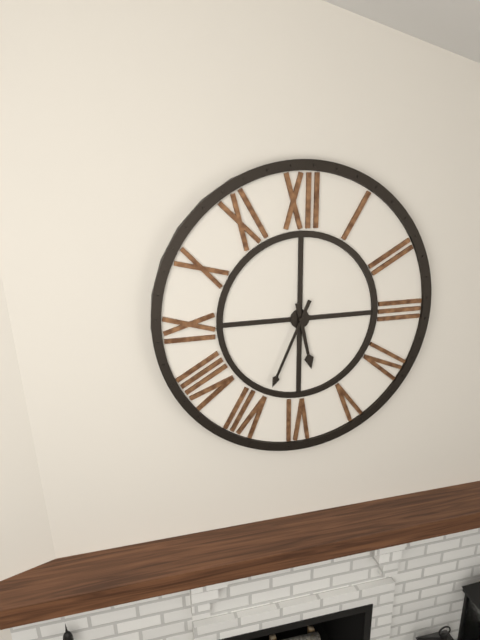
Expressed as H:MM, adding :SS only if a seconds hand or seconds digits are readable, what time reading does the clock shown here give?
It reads 5:34
